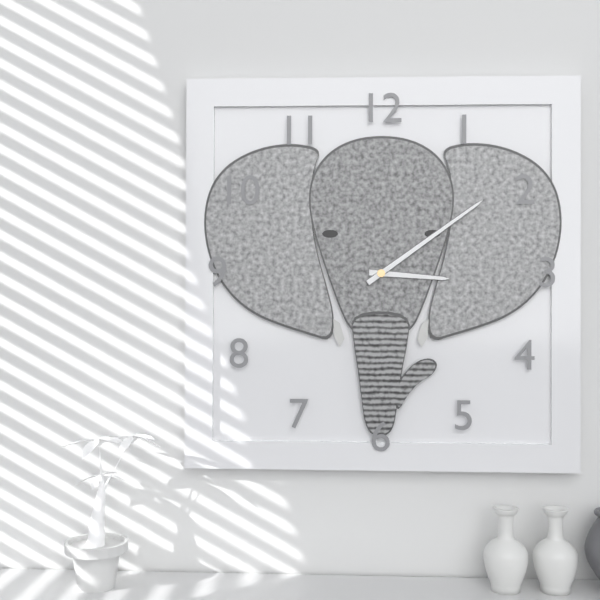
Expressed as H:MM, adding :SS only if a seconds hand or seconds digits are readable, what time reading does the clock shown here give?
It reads 3:09
